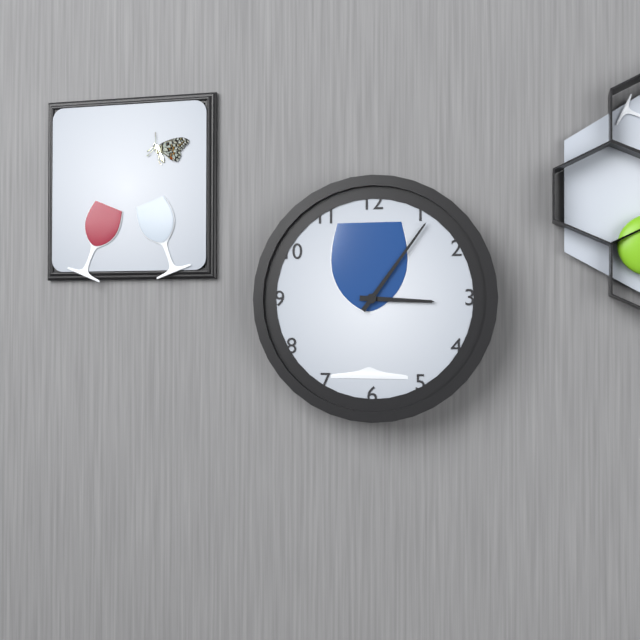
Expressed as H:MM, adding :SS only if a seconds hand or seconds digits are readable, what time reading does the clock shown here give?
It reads 3:06
